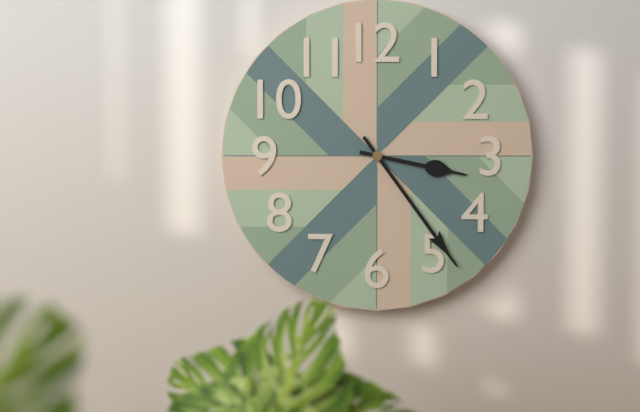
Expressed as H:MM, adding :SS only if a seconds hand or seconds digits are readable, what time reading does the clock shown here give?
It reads 3:24
